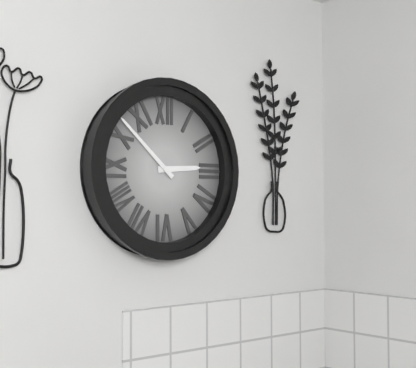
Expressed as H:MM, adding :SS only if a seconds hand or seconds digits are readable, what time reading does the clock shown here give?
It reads 2:52
